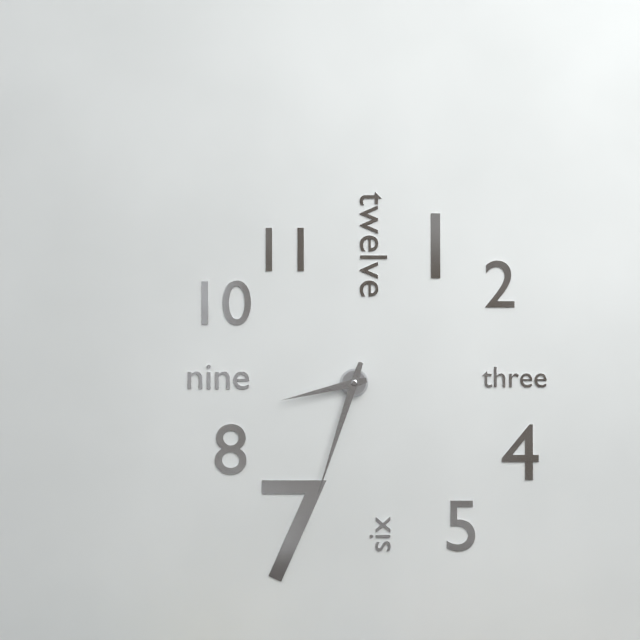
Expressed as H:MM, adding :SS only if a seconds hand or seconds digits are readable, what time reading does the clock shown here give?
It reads 8:33
